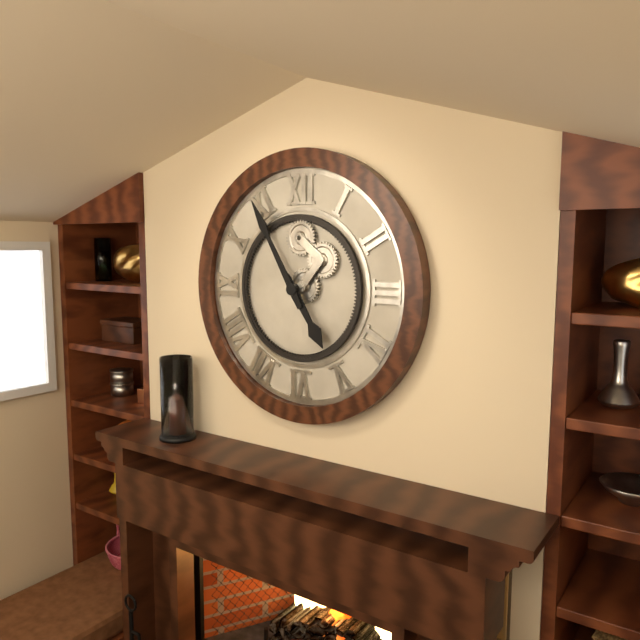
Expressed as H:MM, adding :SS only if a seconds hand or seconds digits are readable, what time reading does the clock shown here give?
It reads 4:55
